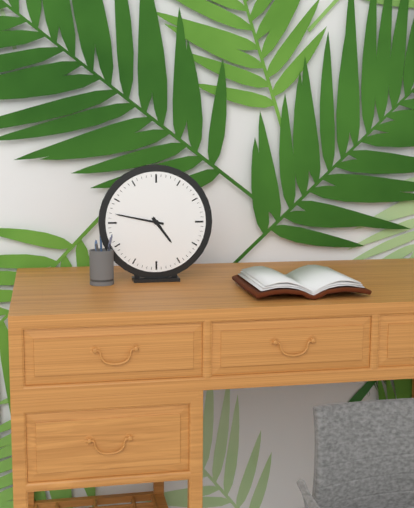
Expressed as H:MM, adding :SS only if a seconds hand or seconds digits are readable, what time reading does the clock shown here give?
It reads 4:47
